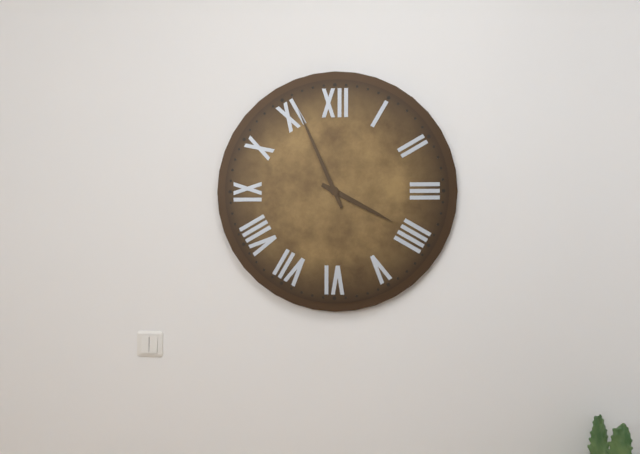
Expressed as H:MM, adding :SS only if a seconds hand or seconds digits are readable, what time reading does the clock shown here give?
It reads 3:56
